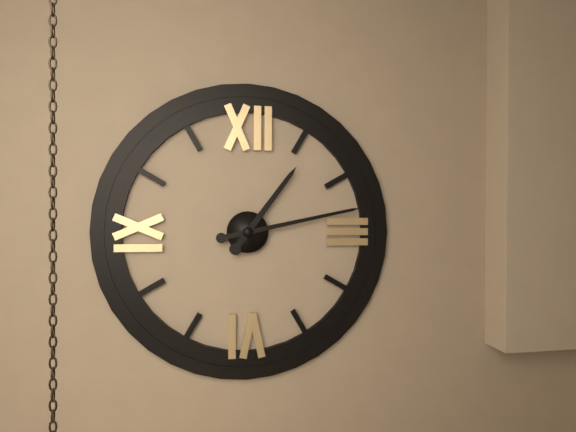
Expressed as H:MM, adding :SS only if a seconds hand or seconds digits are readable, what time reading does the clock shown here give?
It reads 1:13
